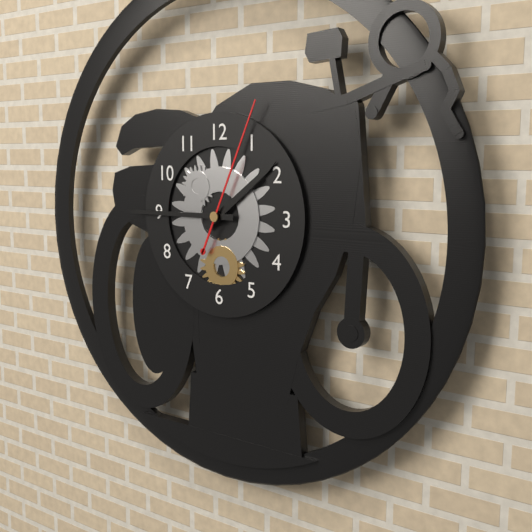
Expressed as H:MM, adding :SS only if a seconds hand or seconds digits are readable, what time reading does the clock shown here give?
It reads 1:45:04
